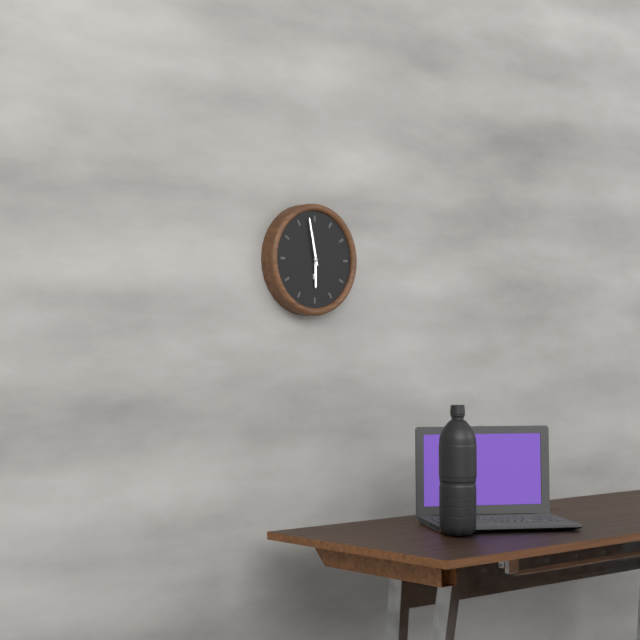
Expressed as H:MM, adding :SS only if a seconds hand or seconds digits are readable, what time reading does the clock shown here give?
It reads 5:58
